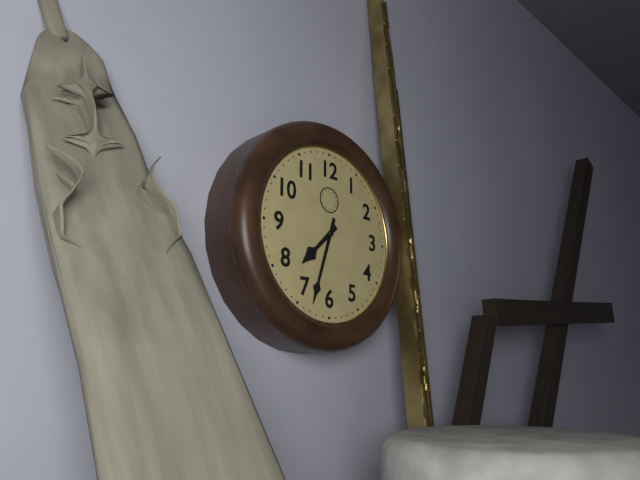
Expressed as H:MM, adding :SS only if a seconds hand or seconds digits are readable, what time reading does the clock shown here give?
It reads 7:33
